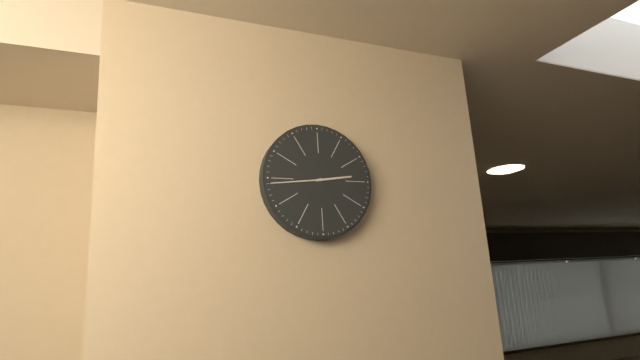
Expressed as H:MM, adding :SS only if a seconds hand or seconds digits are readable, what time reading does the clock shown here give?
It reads 2:44
